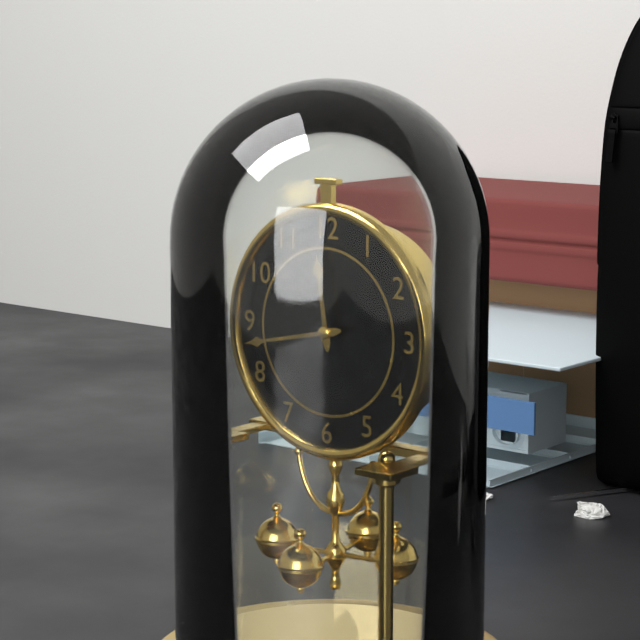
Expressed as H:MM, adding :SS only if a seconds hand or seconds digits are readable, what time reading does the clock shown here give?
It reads 11:43
